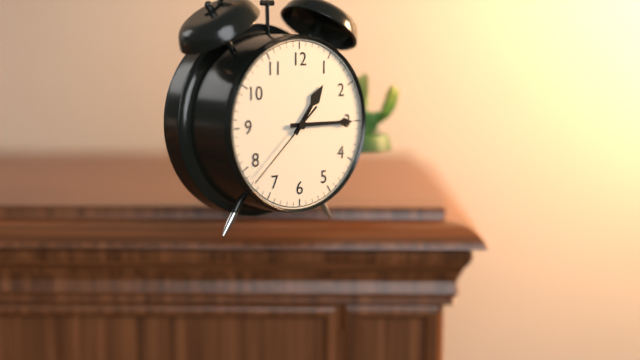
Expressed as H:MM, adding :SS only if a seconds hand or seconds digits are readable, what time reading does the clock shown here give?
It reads 1:15:38
